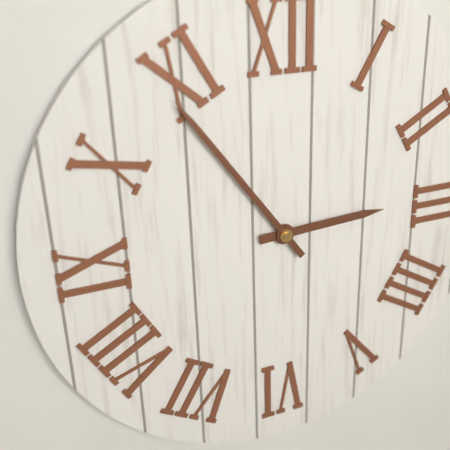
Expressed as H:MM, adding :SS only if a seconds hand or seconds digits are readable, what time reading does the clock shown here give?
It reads 2:54
